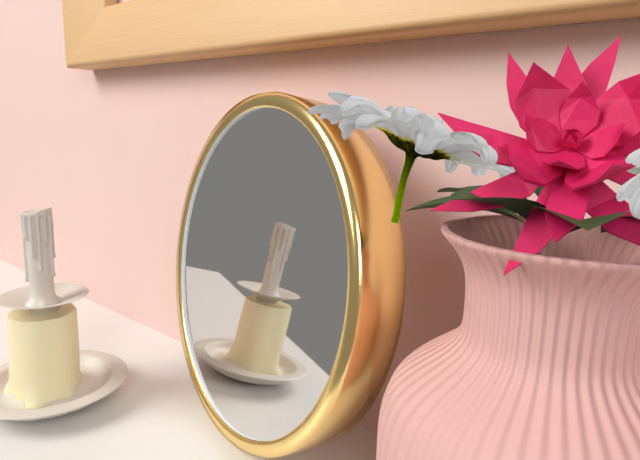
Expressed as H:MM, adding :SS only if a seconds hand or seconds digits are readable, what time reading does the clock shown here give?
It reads 8:47:19
